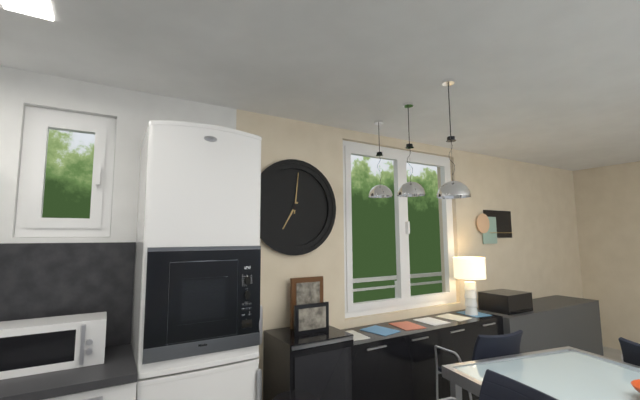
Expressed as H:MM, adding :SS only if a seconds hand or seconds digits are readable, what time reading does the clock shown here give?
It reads 7:01
